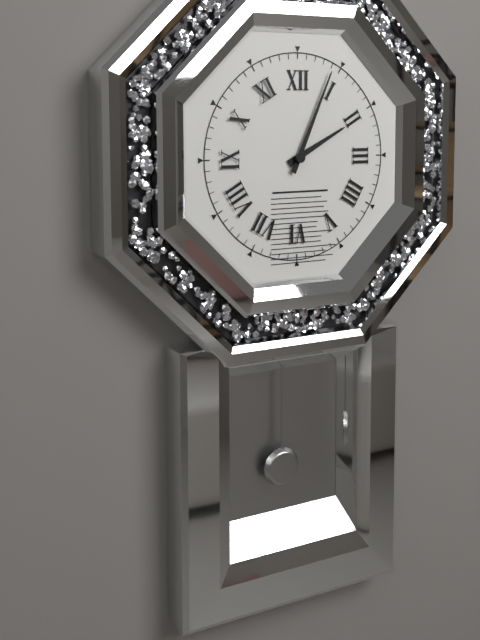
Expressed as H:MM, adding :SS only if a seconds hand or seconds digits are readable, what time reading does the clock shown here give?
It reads 2:04
